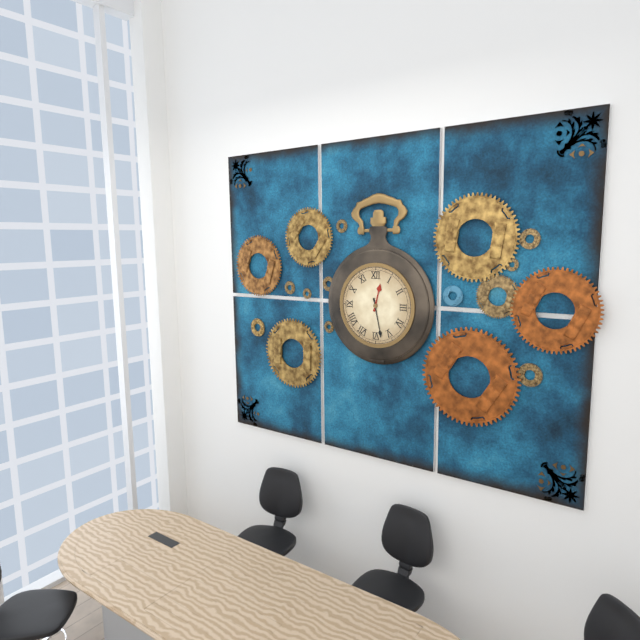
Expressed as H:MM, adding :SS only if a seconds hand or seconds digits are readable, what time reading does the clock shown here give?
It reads 12:28
